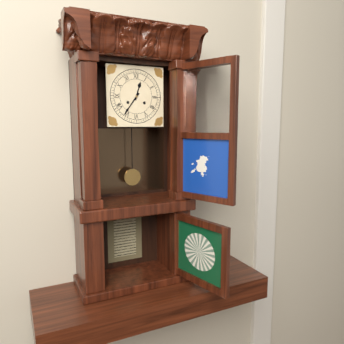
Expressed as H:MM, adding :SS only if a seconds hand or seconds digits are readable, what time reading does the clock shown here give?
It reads 12:36
